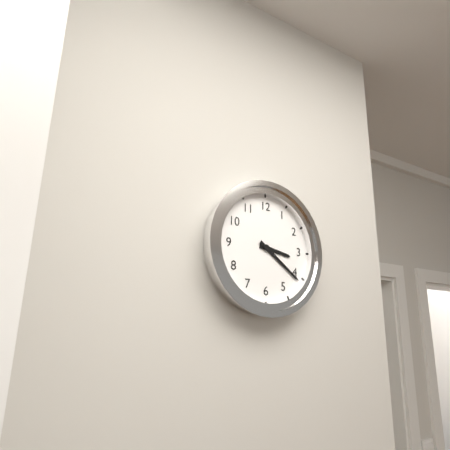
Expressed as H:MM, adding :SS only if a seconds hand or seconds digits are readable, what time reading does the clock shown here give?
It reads 3:21
